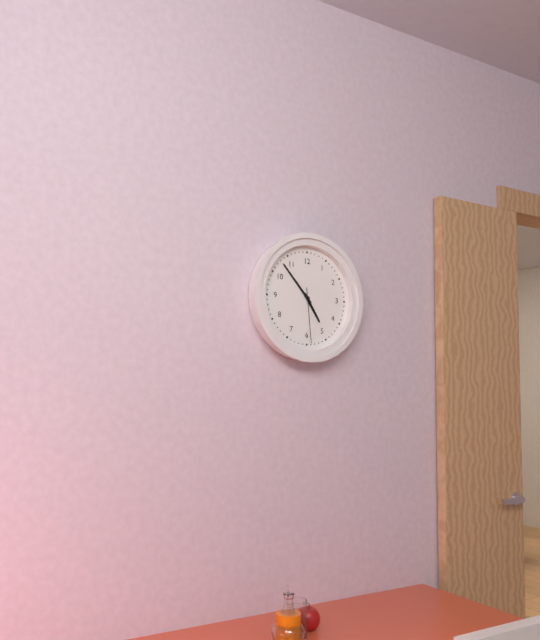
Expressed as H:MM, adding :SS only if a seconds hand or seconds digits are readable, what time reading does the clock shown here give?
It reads 4:53:29
